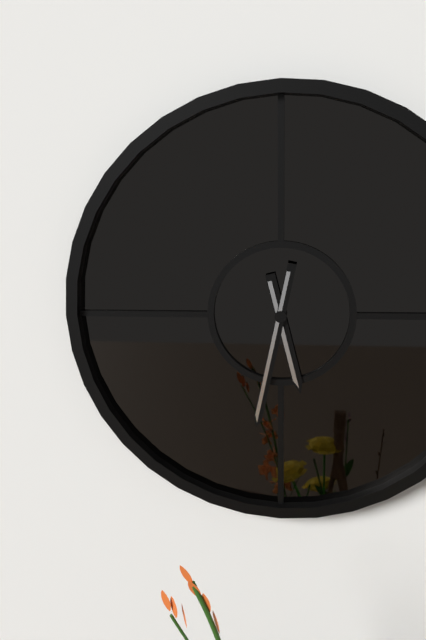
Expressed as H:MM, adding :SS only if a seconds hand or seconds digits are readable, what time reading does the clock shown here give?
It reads 5:32
